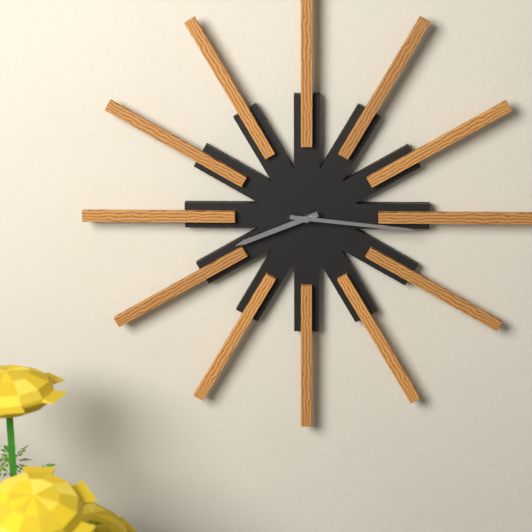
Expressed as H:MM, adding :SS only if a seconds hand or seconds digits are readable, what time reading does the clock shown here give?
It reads 8:16
